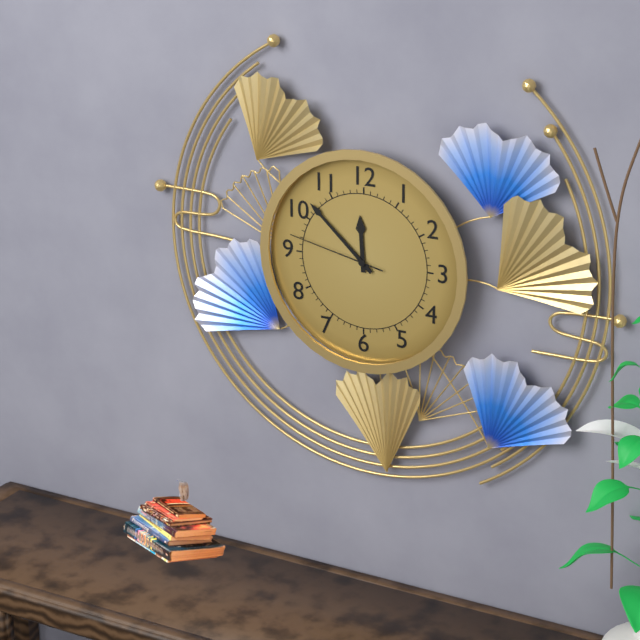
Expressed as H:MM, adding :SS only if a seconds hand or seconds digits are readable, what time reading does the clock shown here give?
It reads 11:52:47
